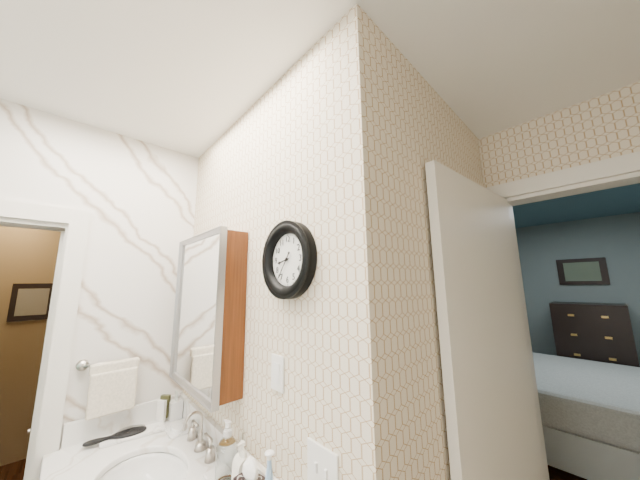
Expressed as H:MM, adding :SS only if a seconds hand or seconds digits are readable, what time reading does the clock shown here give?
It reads 8:36
